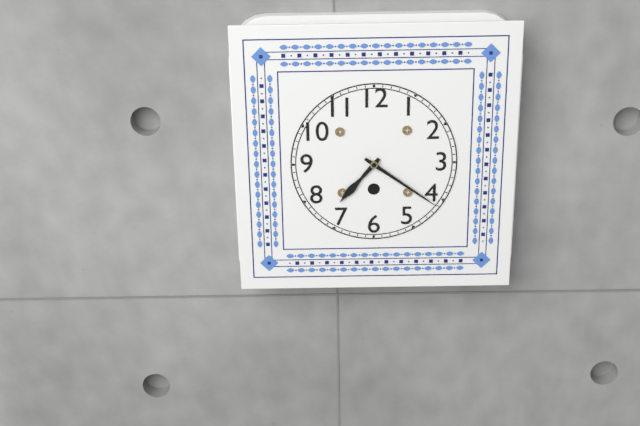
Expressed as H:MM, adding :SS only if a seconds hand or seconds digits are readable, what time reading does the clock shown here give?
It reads 7:21
